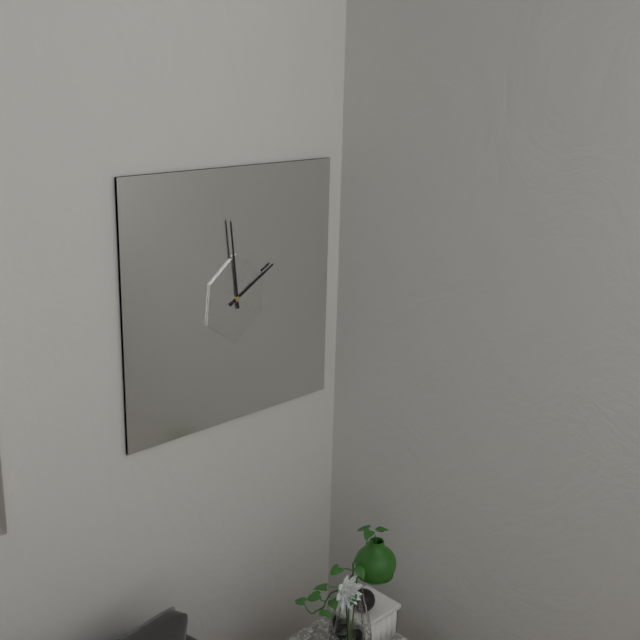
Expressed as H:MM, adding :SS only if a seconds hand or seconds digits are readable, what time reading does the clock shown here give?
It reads 1:59
